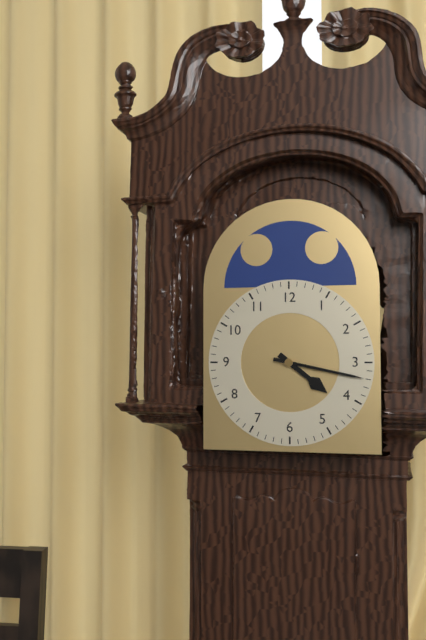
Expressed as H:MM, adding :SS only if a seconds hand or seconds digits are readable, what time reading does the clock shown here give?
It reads 4:17
